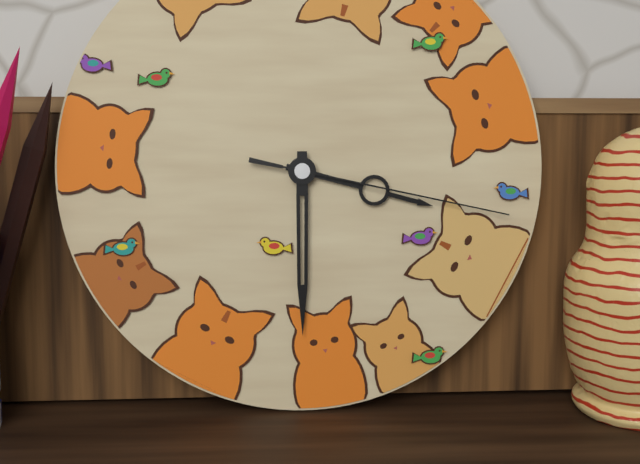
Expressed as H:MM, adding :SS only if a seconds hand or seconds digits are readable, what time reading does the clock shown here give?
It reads 3:30:17
